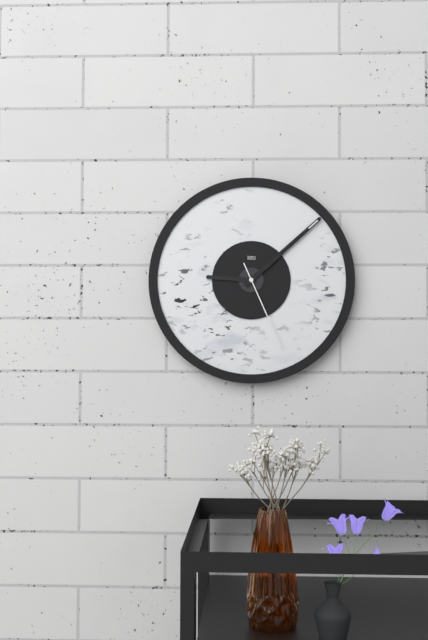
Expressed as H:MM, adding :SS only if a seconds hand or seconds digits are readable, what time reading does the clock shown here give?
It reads 9:08:26
